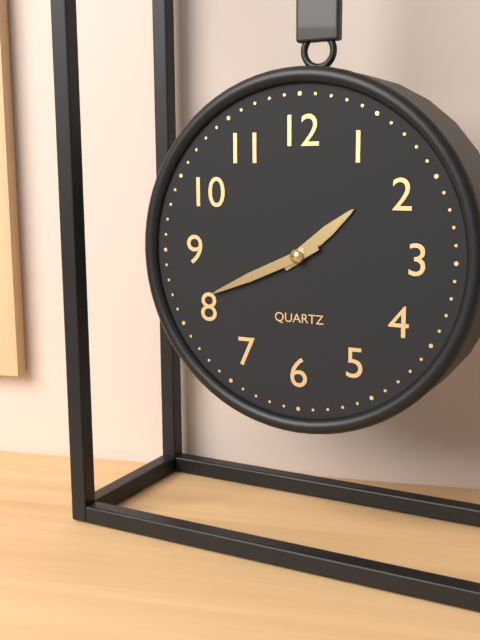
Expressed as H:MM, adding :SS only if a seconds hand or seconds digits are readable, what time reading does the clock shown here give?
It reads 1:41
